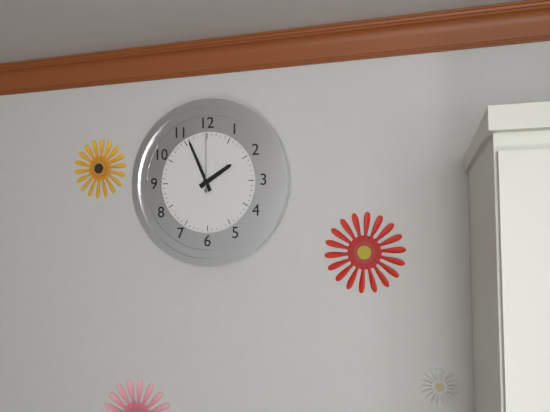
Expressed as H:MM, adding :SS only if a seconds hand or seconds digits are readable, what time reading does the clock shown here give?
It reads 1:56:00
